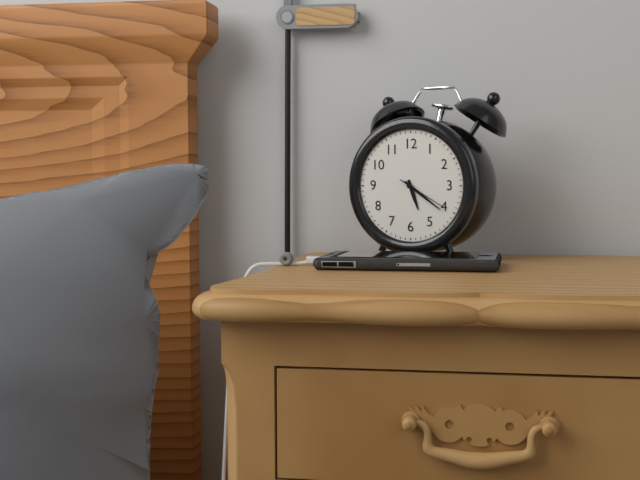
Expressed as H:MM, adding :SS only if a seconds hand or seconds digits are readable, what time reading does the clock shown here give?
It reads 5:21:20
